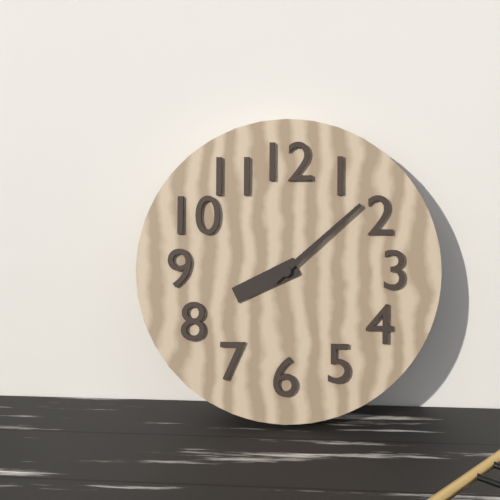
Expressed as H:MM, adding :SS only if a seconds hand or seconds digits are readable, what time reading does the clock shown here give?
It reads 8:08
